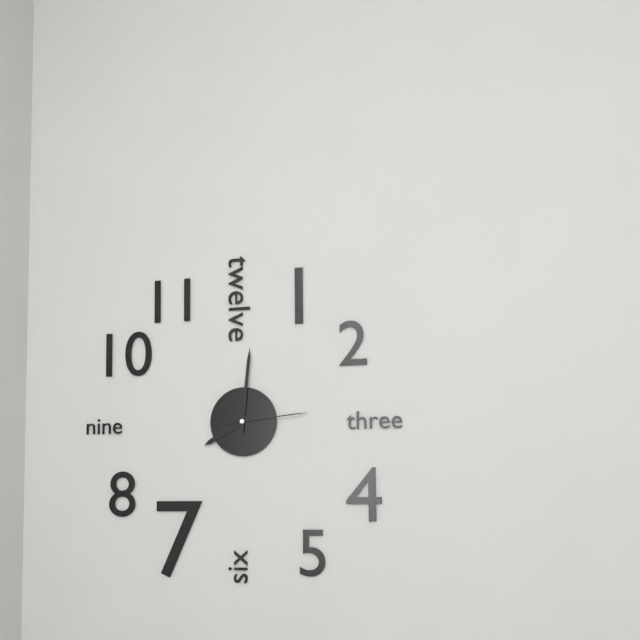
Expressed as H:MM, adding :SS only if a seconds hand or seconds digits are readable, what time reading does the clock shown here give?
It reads 8:01:14
